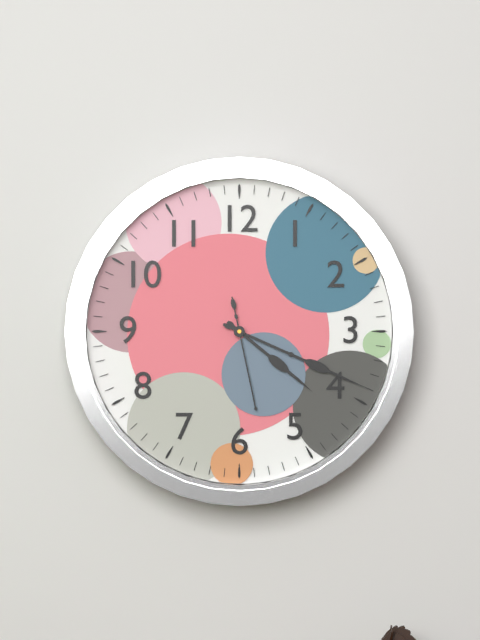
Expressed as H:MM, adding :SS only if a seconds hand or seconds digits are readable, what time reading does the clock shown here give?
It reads 4:19:28
